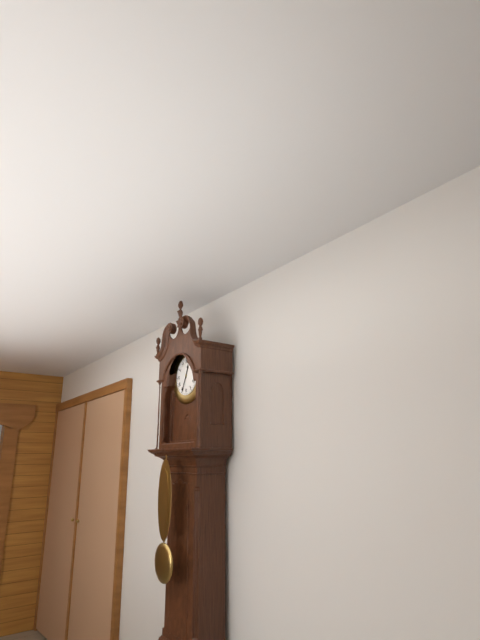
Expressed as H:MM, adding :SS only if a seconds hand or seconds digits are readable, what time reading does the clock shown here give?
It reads 12:34
